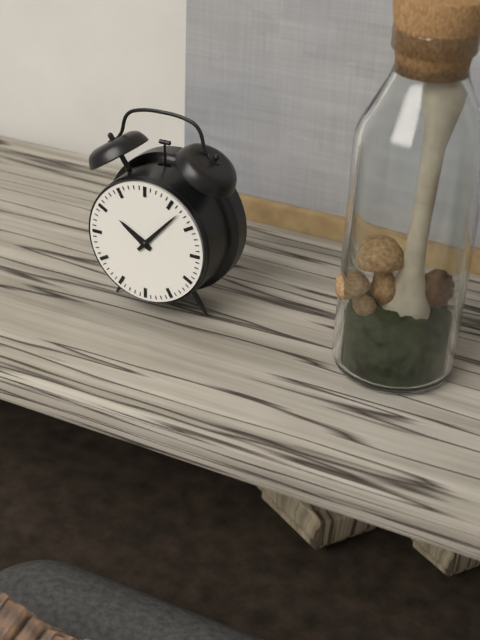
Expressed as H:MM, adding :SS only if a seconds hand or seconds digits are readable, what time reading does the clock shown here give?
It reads 10:07
